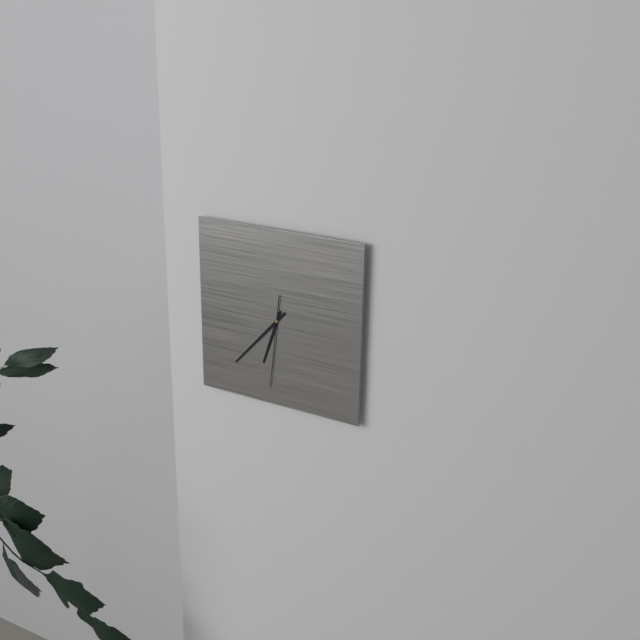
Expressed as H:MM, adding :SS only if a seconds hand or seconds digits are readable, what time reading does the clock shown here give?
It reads 6:37:31
